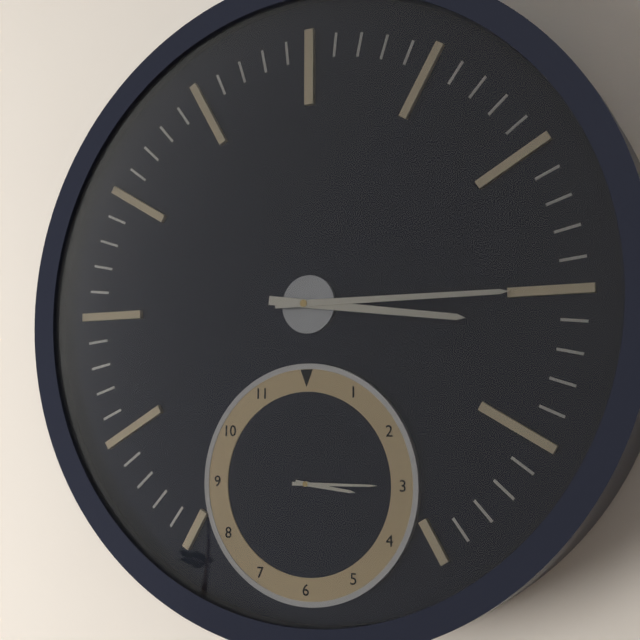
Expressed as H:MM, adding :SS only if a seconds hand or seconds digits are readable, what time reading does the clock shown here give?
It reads 3:15
